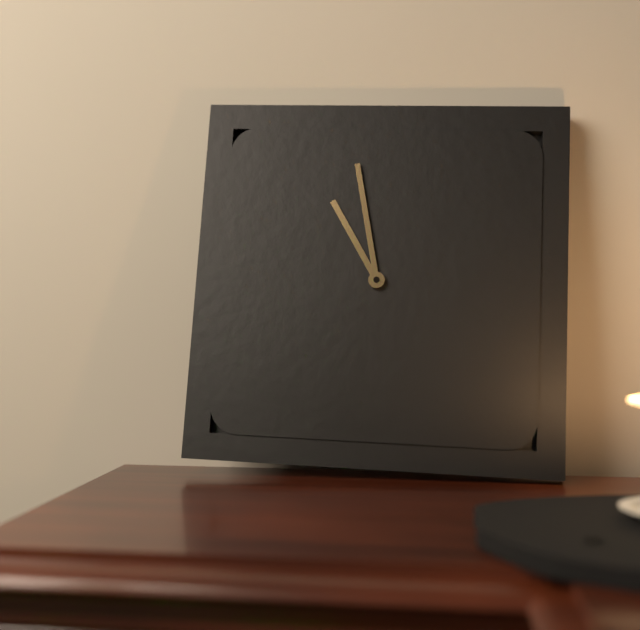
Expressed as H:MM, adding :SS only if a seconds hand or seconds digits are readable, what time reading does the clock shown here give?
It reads 10:58
